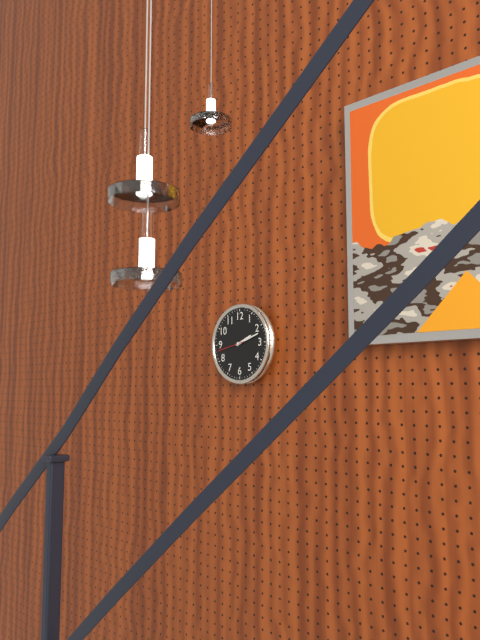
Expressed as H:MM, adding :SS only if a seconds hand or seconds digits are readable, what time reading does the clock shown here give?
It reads 2:12
